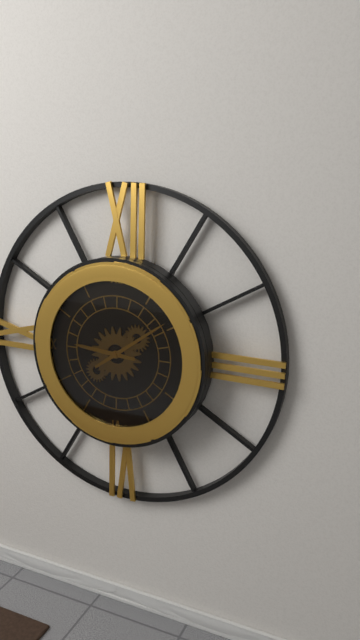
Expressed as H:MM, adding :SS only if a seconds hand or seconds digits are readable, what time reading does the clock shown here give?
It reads 9:09
